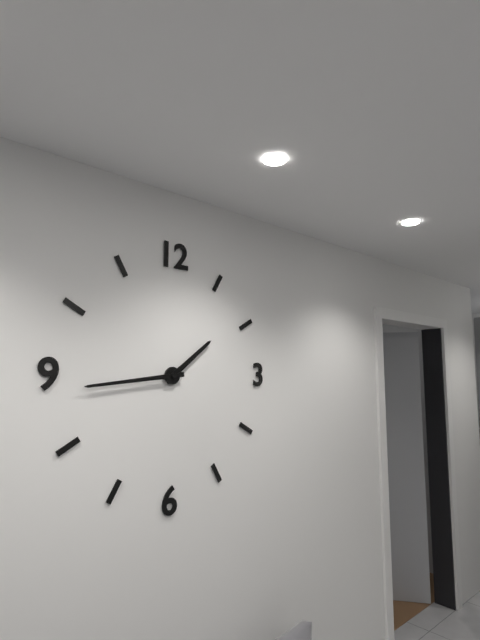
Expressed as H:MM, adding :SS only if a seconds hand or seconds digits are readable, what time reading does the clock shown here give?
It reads 1:44
